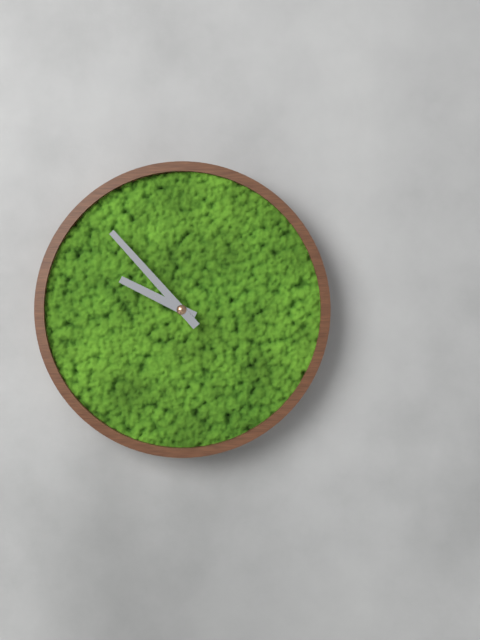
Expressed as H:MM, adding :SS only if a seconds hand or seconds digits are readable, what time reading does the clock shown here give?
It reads 9:53
